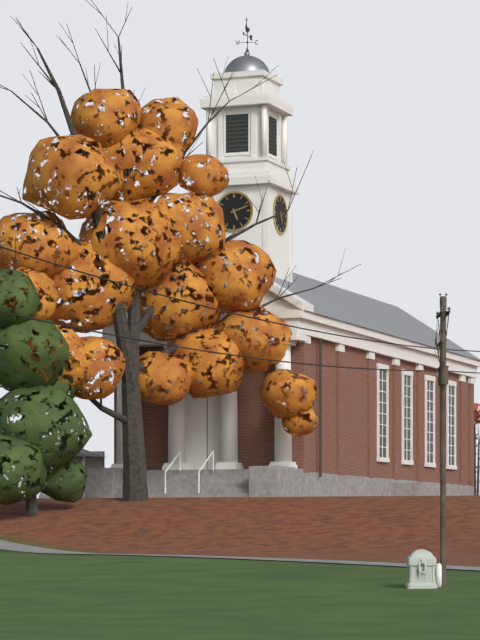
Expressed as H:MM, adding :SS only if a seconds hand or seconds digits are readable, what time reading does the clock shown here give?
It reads 5:12
